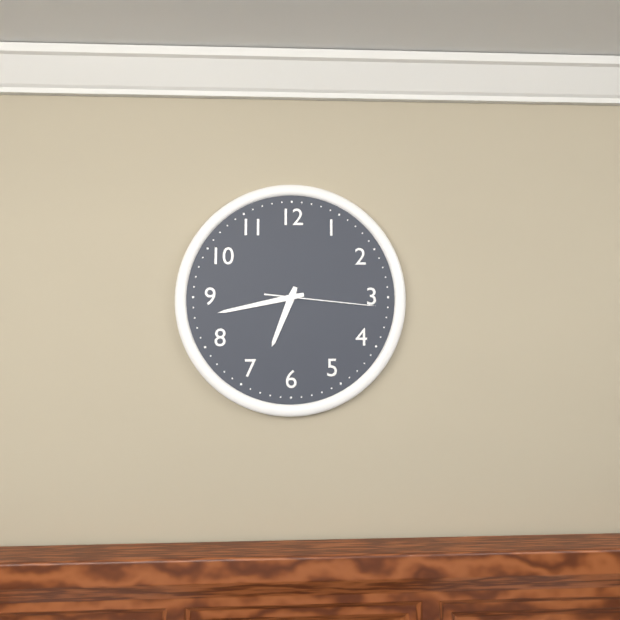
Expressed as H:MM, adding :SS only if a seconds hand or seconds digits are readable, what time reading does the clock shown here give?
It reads 6:43:16
